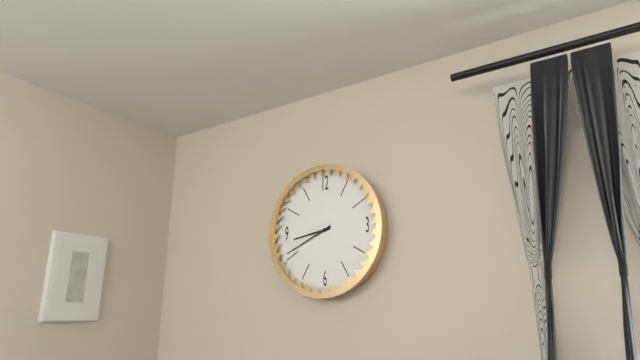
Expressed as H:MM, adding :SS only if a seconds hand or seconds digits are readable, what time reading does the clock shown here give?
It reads 8:41
